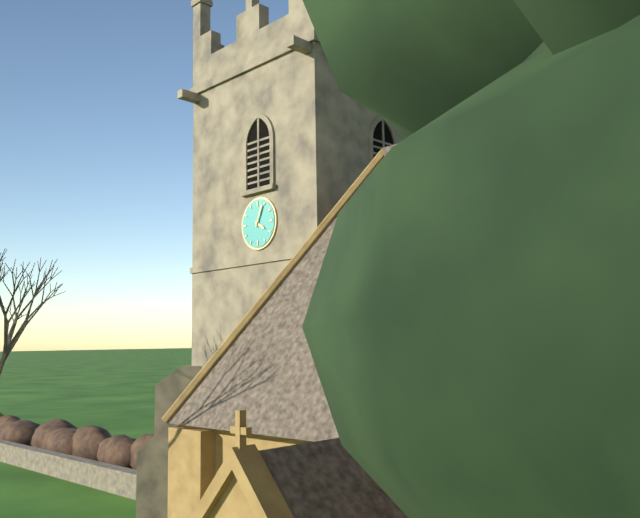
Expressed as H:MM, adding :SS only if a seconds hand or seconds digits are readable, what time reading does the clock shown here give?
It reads 4:04
